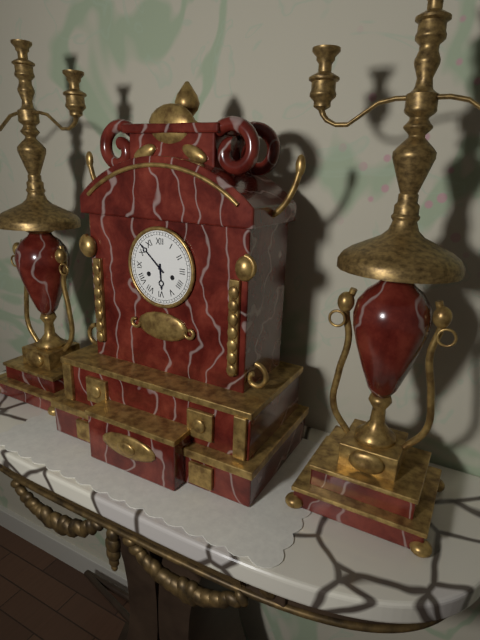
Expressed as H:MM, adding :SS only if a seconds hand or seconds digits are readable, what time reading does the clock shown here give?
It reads 5:52
